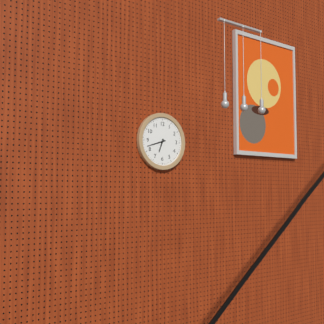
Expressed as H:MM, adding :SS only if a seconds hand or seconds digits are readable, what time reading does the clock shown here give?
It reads 6:42
